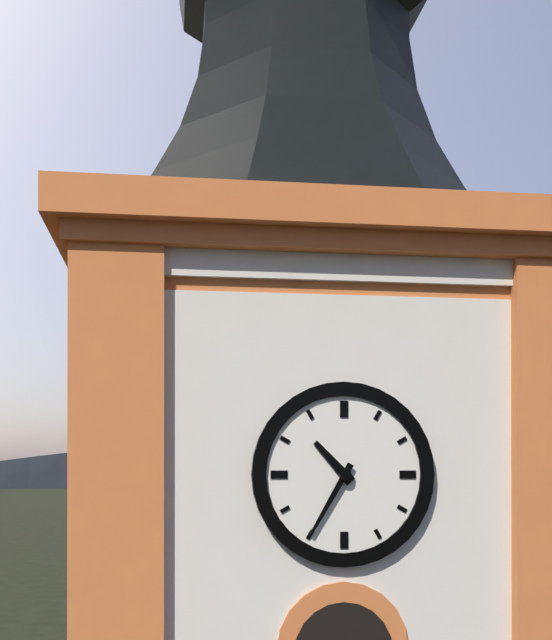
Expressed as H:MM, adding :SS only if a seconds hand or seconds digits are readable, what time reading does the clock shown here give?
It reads 10:35
